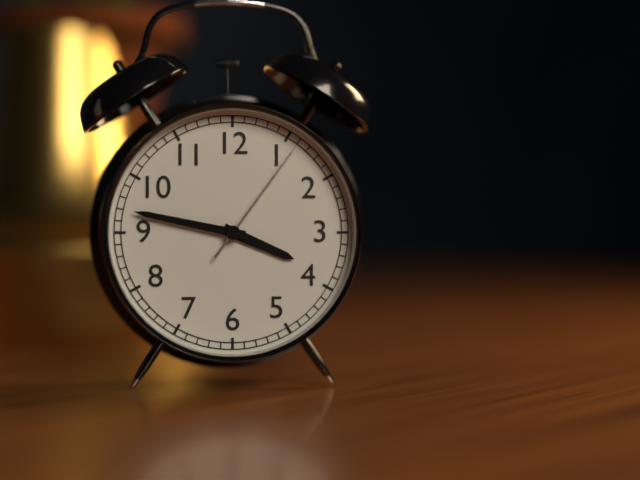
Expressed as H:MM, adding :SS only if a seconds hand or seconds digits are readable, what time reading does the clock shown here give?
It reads 3:47:06
